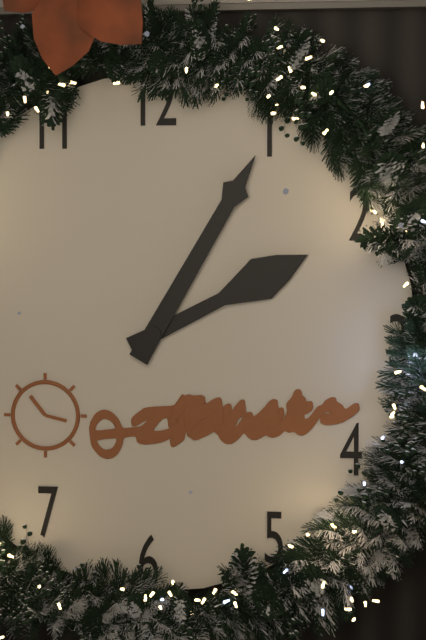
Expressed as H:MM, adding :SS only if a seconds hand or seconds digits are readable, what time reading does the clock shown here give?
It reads 2:05
